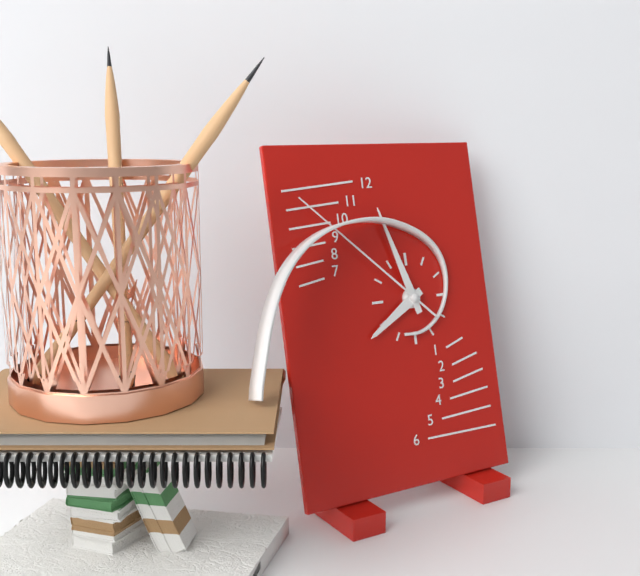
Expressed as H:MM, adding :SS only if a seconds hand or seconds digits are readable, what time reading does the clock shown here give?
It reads 7:57:52
